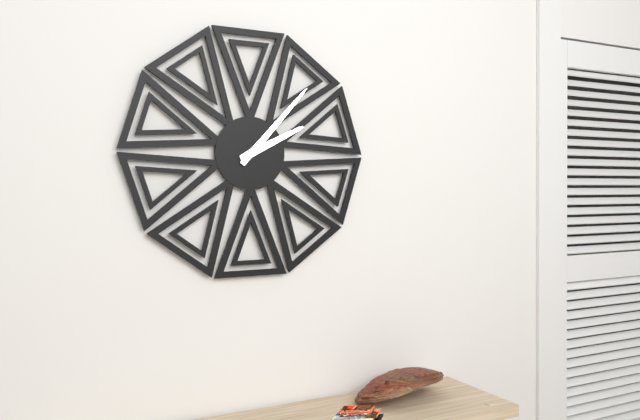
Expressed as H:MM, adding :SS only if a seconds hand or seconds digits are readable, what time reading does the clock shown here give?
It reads 2:07
